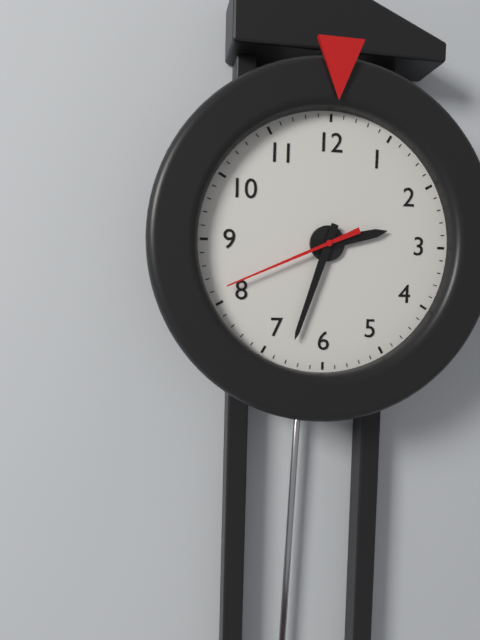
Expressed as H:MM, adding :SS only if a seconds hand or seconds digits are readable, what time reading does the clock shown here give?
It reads 2:33:41
